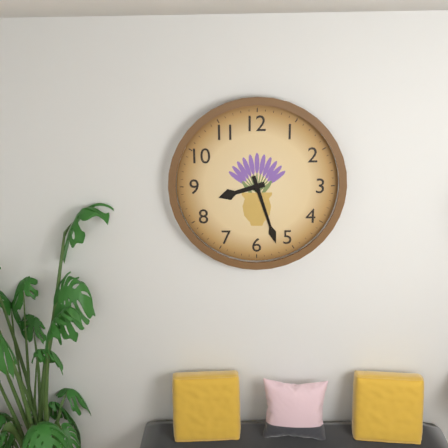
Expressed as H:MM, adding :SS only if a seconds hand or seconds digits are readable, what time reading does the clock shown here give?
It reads 8:27
